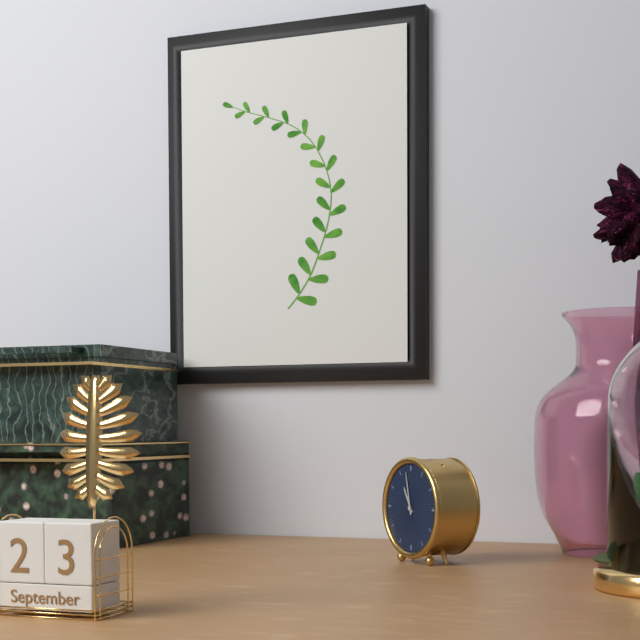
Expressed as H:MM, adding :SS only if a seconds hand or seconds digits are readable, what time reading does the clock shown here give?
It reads 10:58
